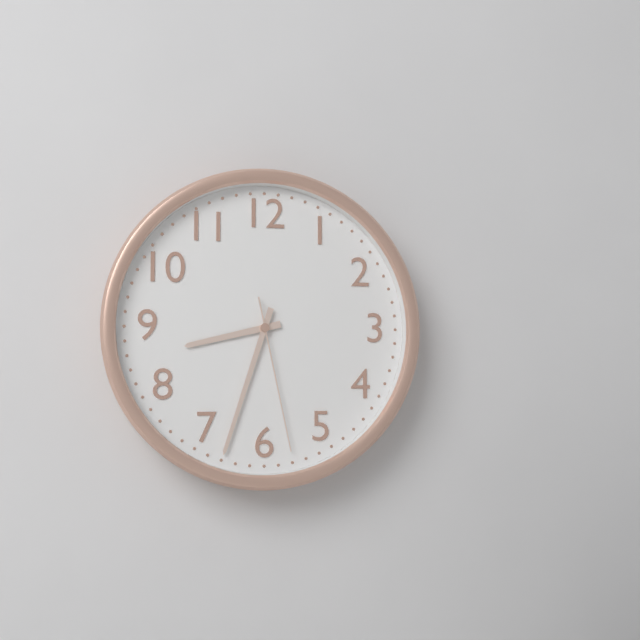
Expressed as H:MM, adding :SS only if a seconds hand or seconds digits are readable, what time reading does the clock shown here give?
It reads 8:33:28
